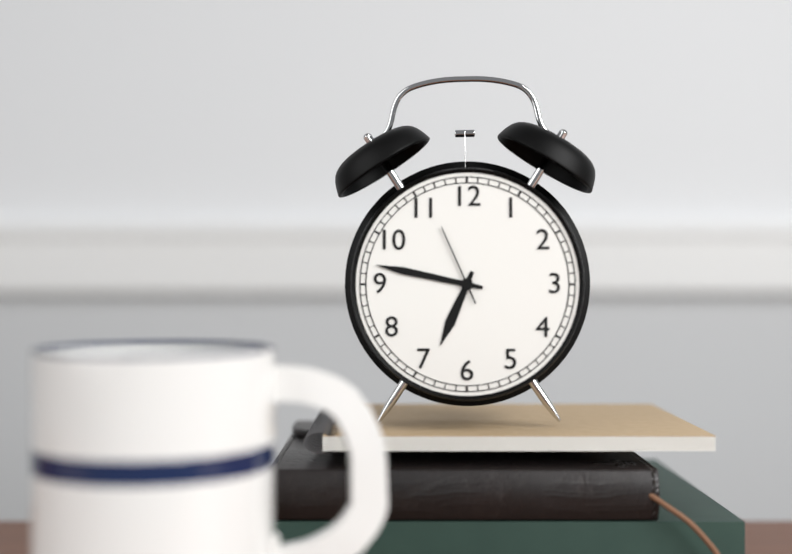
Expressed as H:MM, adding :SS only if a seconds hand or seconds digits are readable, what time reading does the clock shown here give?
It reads 6:47:56
